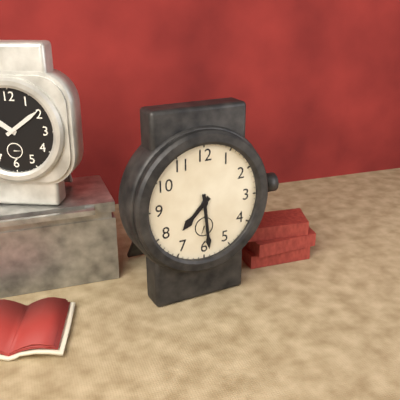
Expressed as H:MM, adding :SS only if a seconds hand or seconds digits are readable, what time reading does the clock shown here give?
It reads 7:29
